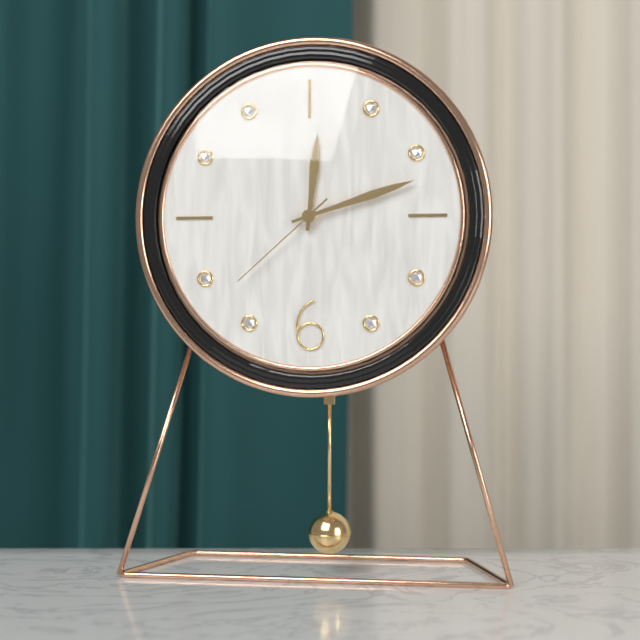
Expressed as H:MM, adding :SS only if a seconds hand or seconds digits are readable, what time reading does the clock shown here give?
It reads 12:12:38
